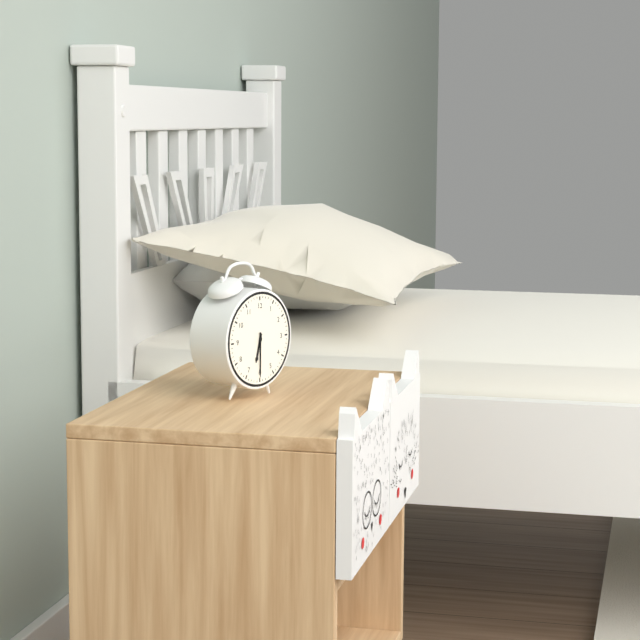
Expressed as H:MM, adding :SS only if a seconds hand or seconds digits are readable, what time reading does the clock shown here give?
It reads 6:30
